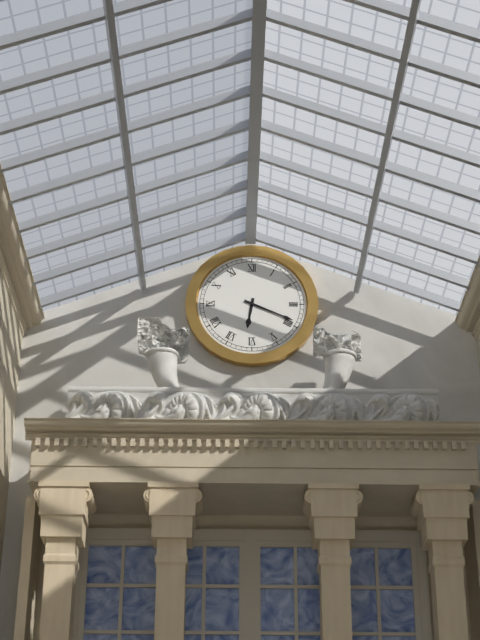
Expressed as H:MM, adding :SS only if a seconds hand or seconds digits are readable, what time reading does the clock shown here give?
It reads 6:19
